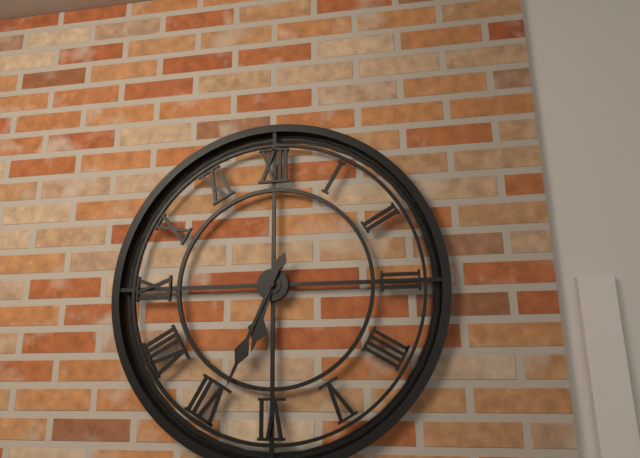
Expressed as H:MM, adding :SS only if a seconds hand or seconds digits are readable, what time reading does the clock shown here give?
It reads 6:34
